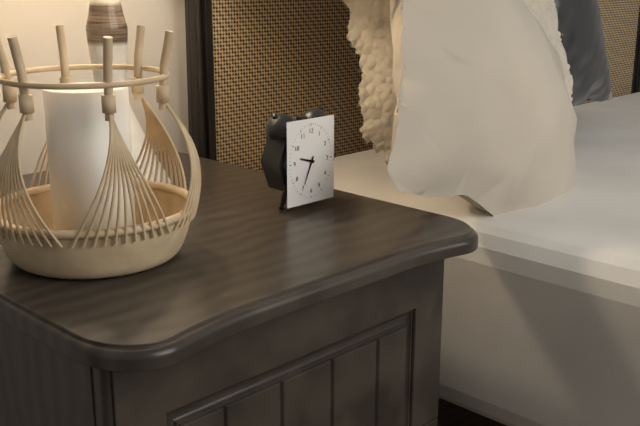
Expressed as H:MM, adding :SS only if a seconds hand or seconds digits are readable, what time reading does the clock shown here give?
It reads 9:34
